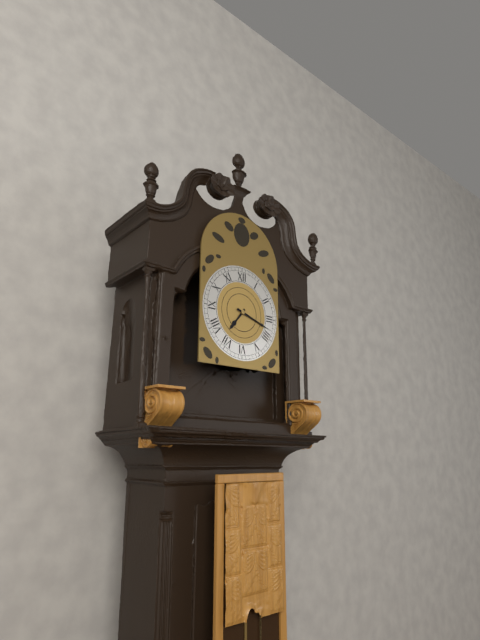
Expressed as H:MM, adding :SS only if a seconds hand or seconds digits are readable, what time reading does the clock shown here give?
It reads 7:18
